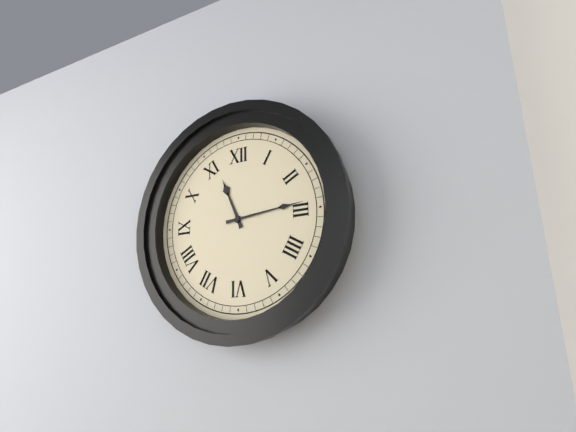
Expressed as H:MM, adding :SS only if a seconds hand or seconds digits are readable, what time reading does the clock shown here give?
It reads 11:14
